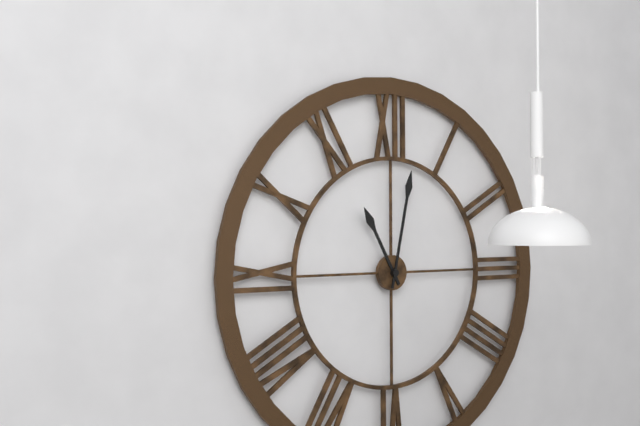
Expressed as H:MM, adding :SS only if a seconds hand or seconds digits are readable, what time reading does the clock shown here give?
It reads 11:02
